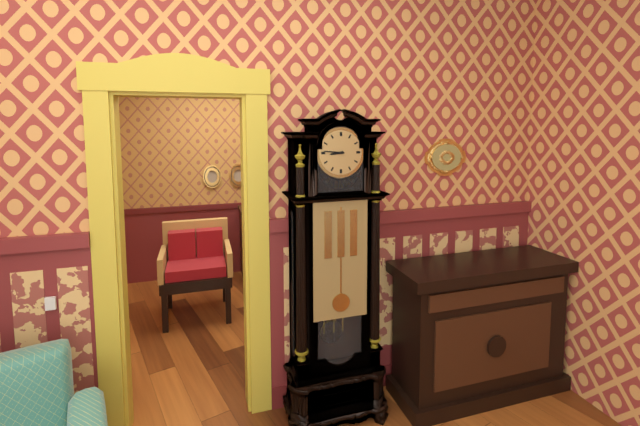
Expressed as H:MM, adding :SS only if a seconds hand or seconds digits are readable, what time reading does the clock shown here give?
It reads 8:46
